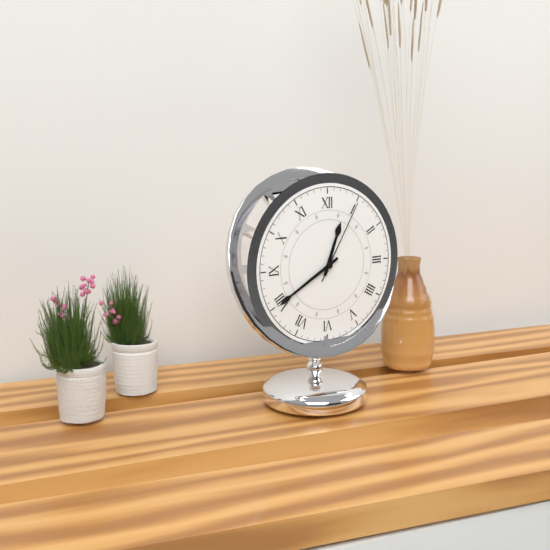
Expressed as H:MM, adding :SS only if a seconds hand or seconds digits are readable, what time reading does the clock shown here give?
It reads 12:40:05
